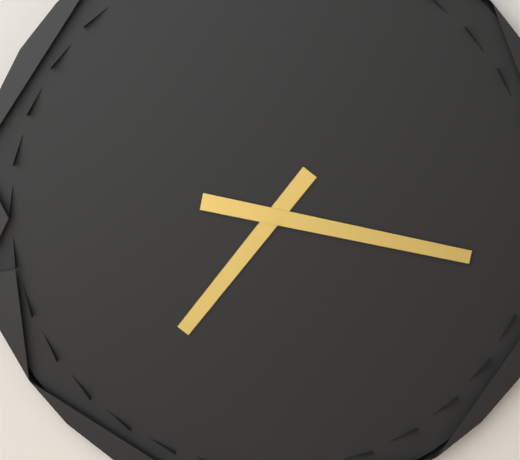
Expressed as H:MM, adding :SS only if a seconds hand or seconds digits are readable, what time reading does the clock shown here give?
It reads 7:17
